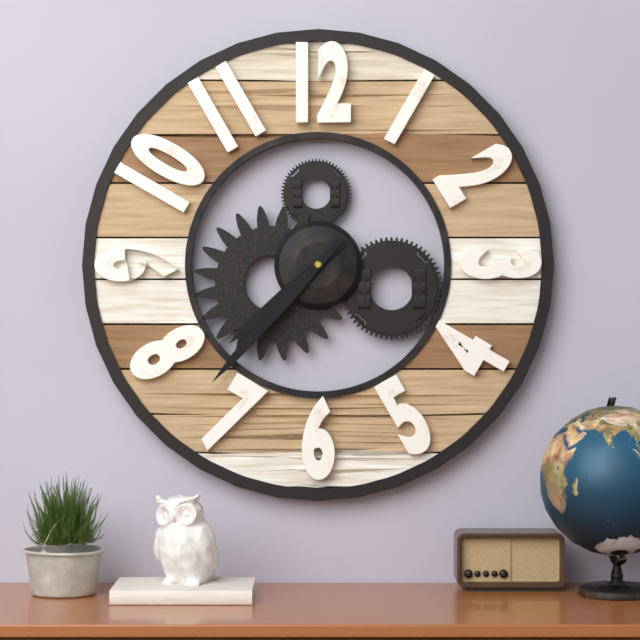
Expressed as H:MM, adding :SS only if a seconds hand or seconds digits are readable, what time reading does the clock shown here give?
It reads 7:37
